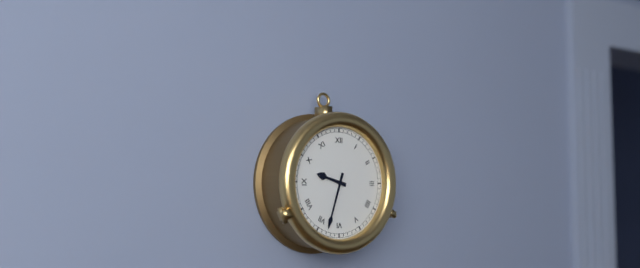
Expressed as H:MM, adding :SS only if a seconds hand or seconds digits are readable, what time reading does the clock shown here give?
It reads 9:33
